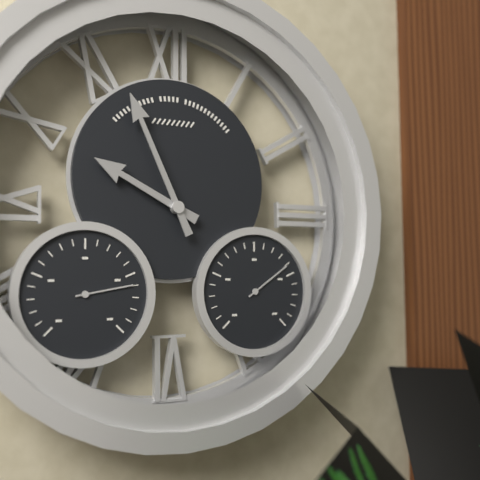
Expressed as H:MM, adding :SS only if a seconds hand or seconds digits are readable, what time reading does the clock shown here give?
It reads 9:56
